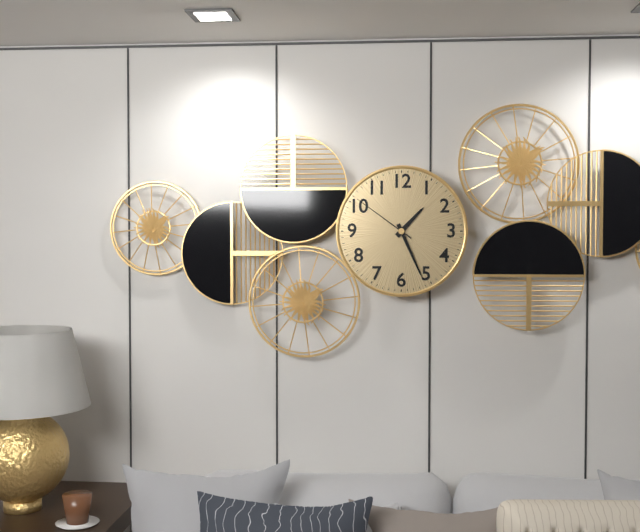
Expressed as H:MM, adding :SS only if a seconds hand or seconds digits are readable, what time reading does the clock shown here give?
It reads 1:26:51
